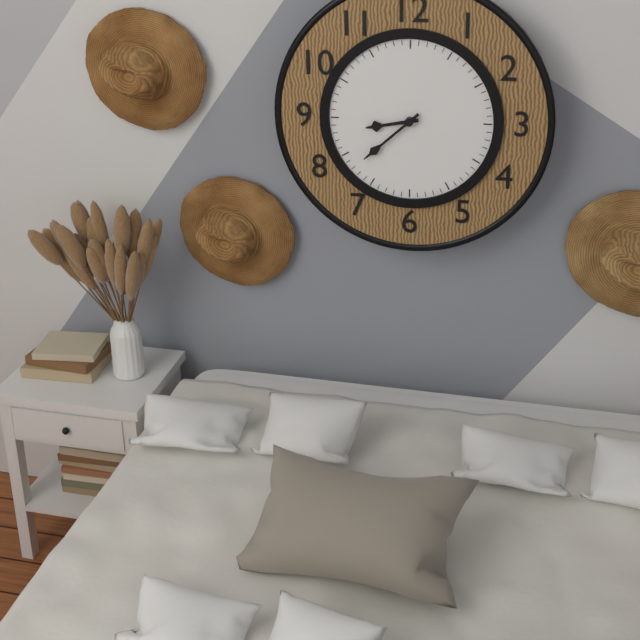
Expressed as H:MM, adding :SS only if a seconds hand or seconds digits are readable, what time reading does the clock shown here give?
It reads 8:38
